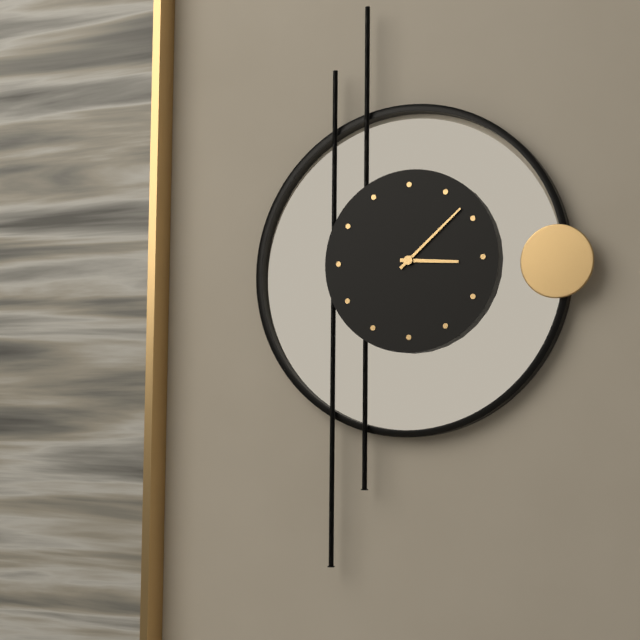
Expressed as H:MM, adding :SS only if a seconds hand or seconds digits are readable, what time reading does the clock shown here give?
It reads 3:08
